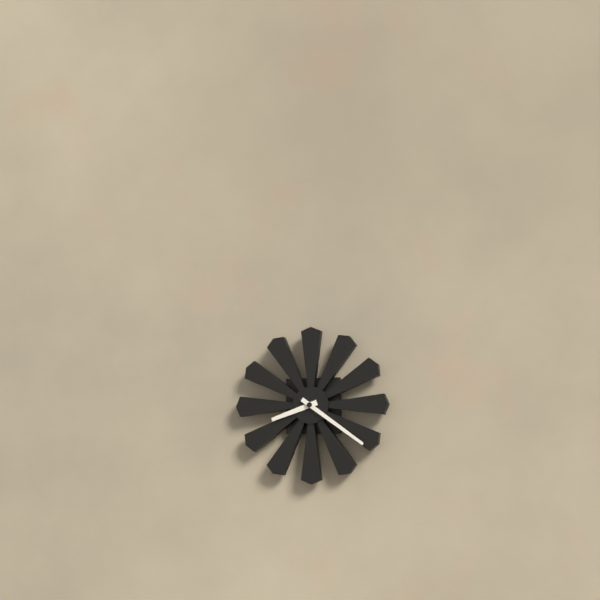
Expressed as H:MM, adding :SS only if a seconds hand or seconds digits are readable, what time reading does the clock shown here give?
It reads 8:21
